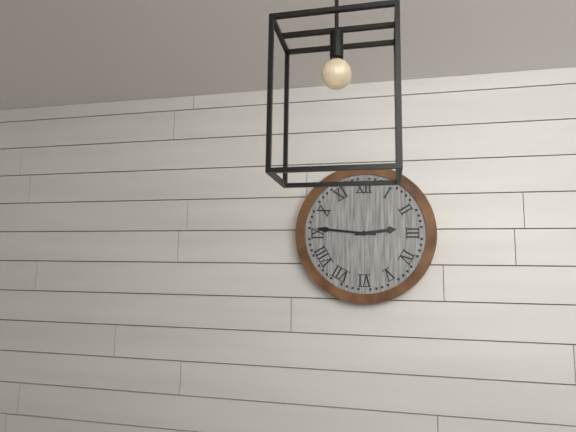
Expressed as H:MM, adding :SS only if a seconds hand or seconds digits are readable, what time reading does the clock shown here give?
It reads 2:46
